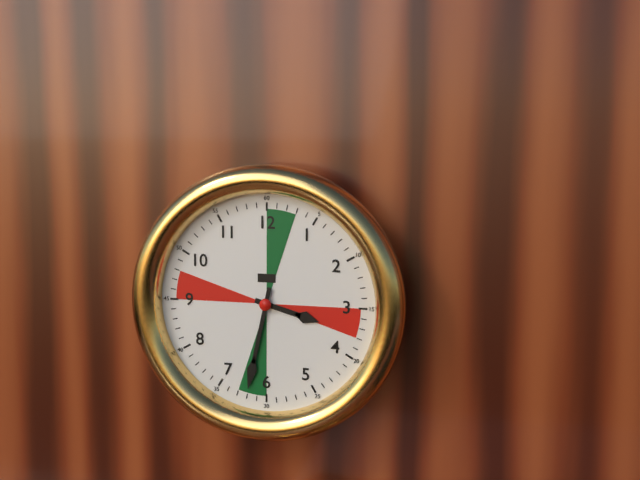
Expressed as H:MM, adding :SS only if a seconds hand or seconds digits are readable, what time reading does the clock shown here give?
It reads 3:32
